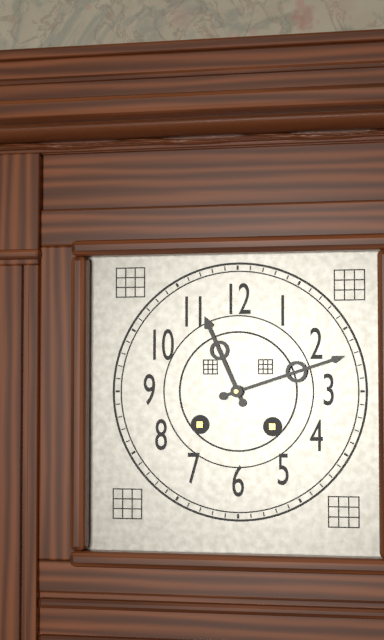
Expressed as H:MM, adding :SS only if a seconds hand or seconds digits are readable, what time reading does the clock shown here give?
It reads 11:12
